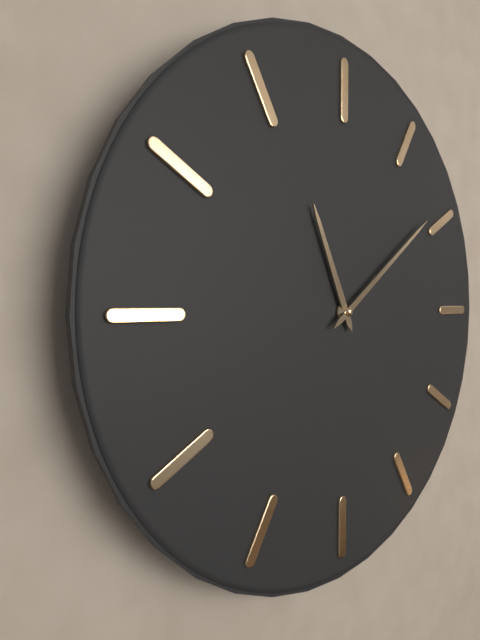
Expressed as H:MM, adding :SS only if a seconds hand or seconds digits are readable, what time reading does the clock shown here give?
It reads 11:09
